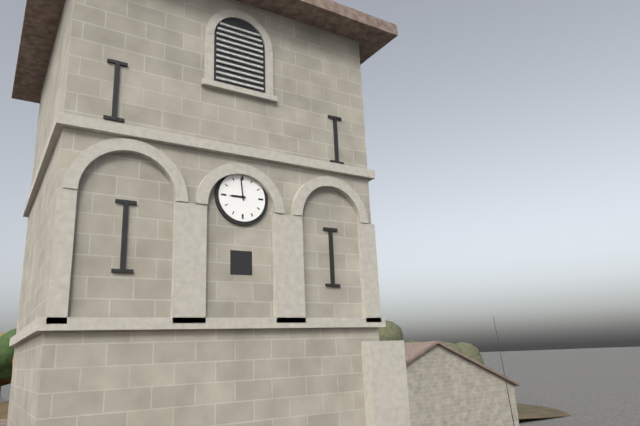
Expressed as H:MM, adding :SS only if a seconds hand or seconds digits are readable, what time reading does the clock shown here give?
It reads 8:59
